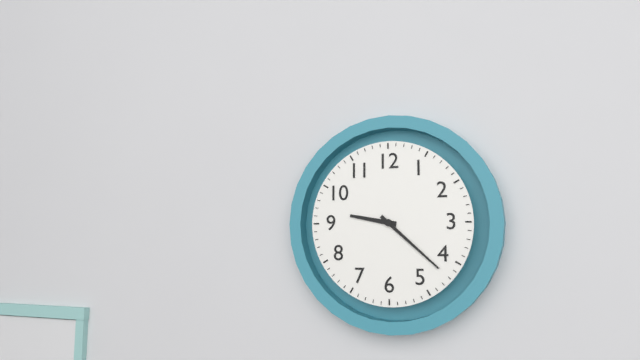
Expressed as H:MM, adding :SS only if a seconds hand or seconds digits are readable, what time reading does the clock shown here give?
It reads 9:22
